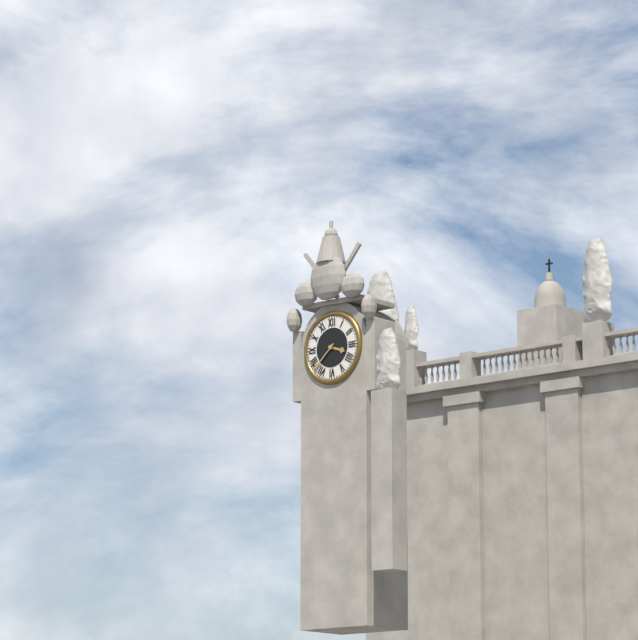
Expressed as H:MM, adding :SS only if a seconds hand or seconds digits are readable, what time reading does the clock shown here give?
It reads 3:38
